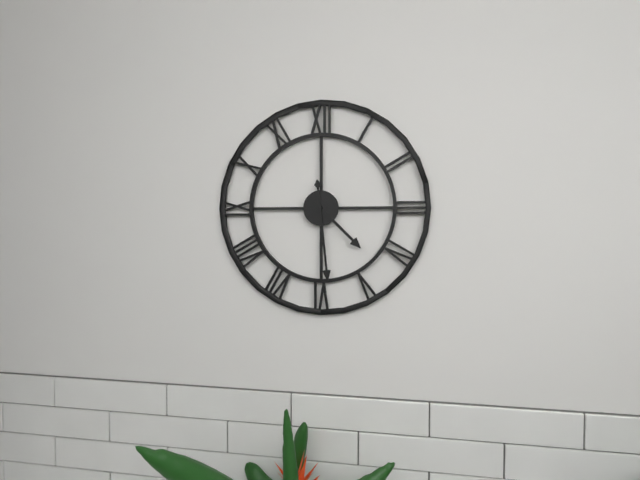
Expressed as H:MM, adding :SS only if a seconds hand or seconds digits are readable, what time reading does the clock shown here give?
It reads 4:29
